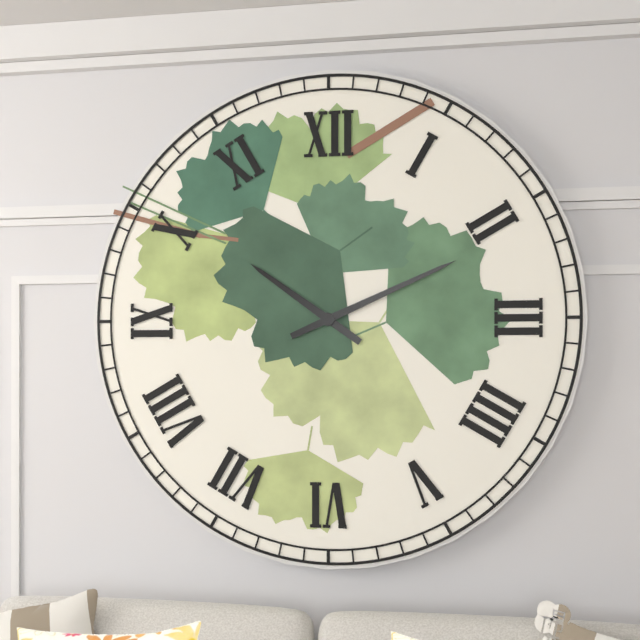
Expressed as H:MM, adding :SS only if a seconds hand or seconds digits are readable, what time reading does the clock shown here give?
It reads 10:11
